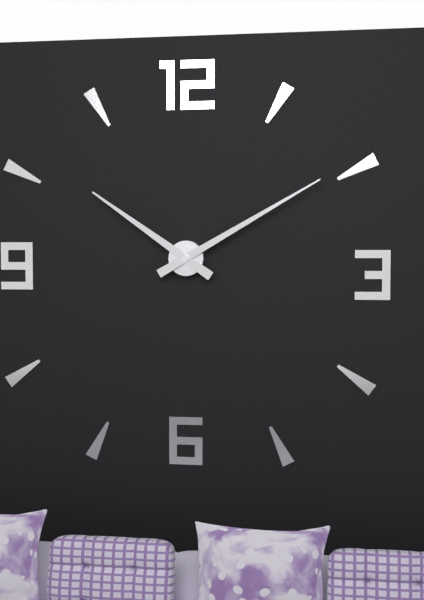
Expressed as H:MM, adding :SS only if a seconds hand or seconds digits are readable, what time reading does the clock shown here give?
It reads 10:10
